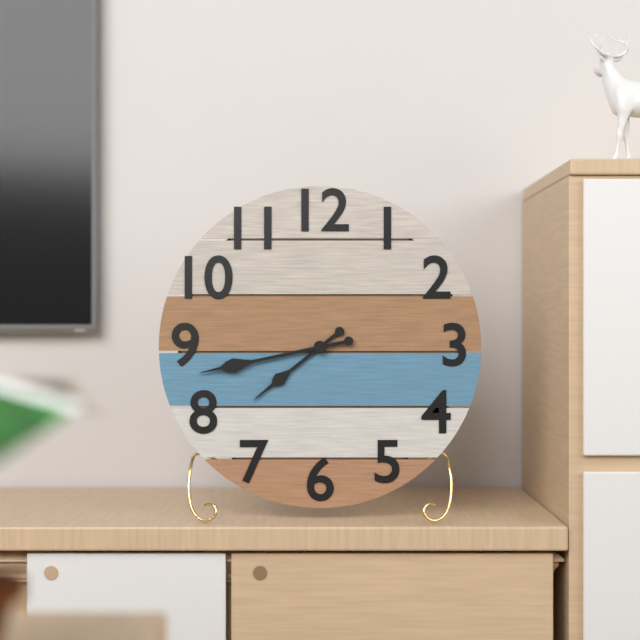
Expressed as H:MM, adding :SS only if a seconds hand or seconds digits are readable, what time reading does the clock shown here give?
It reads 7:43
